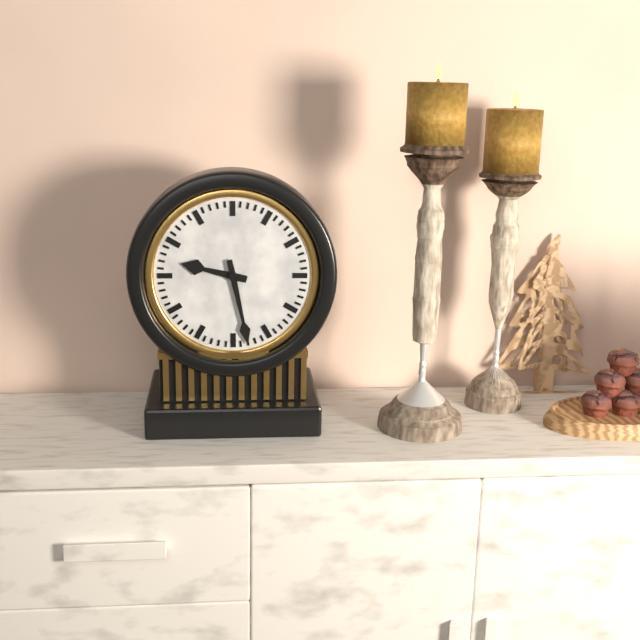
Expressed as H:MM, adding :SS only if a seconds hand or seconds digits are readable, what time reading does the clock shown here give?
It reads 9:28
